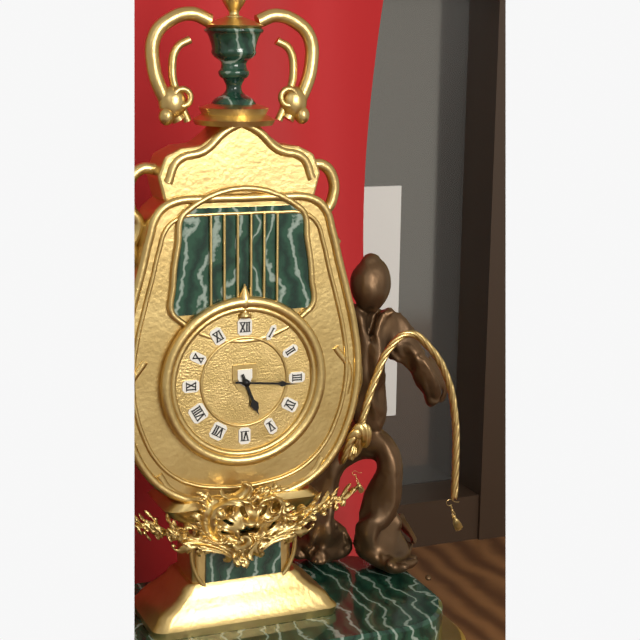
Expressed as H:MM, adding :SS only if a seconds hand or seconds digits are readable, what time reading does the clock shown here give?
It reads 5:16
